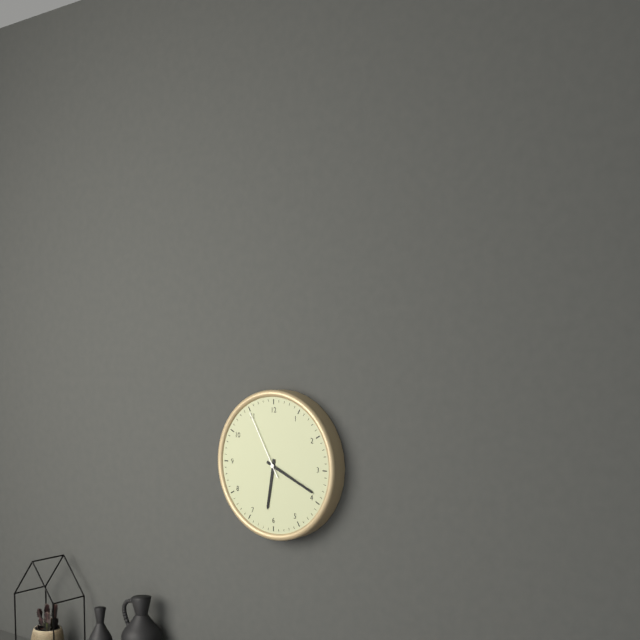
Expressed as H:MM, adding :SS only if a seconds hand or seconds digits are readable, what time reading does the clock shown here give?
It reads 6:19:55
